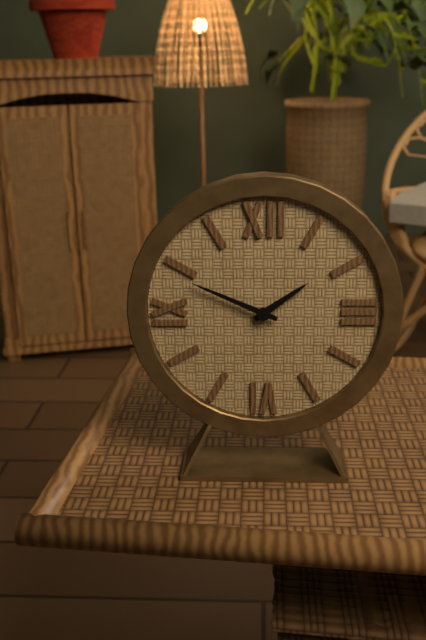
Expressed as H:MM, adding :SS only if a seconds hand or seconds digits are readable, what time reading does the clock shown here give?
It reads 1:49
